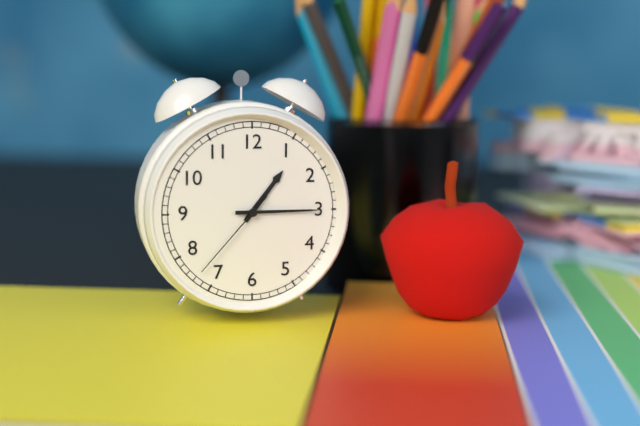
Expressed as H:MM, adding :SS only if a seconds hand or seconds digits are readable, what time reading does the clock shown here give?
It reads 1:15:37
